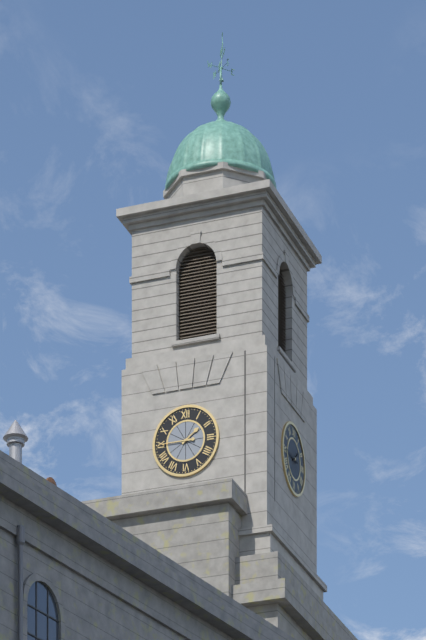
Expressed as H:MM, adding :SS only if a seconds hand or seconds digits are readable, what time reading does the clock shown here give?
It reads 1:45
